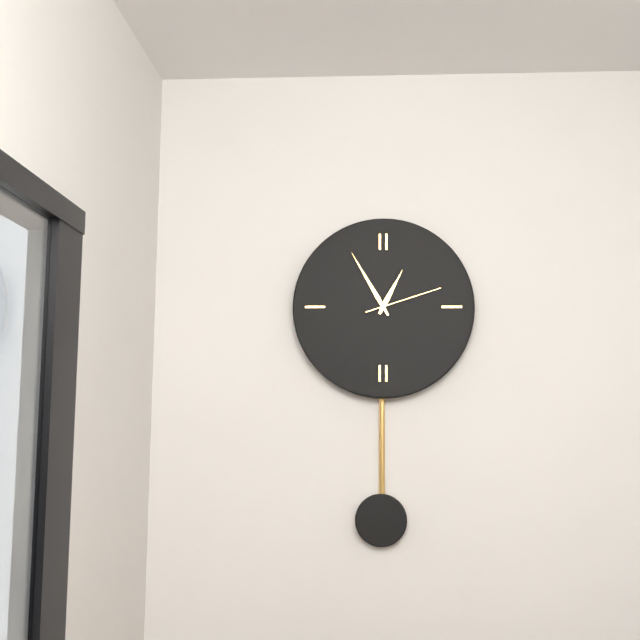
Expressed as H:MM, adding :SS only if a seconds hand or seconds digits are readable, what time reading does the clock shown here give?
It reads 12:55:12
